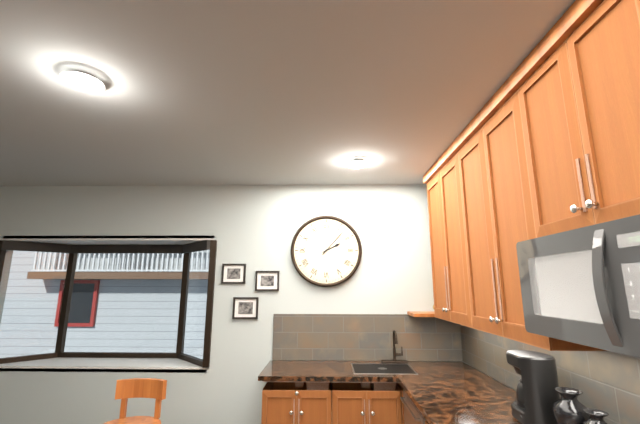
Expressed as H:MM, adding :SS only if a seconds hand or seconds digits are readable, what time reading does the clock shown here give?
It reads 2:07
